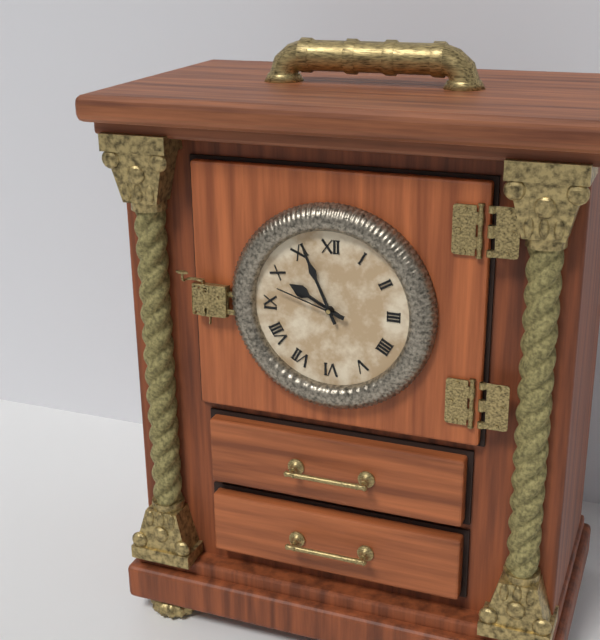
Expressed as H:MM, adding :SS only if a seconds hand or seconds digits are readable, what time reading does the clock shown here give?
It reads 9:56:48
